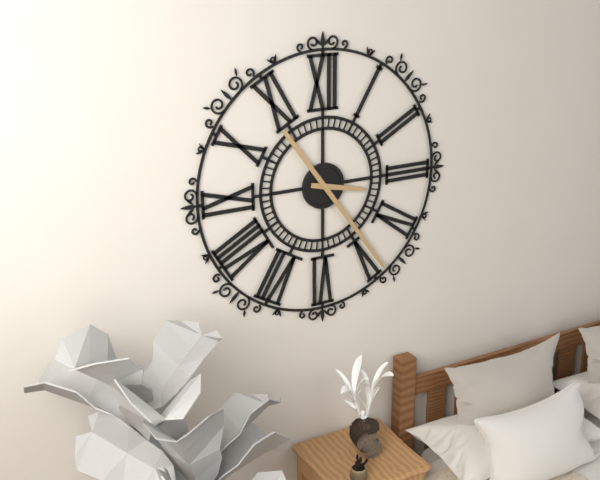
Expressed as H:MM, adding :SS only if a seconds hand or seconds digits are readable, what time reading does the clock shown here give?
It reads 3:24
